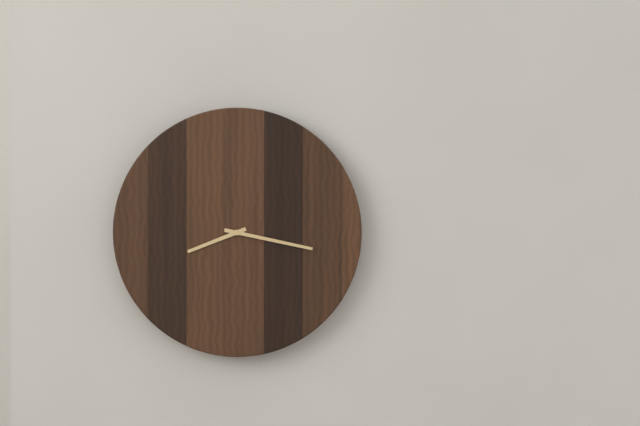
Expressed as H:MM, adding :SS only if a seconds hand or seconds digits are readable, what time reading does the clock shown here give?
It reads 8:17
